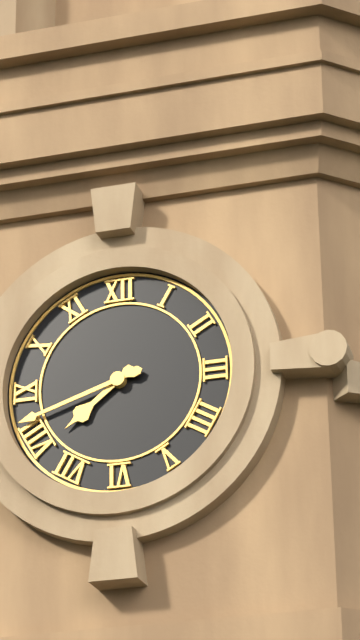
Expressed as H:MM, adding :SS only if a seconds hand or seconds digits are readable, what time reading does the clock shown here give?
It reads 7:42
